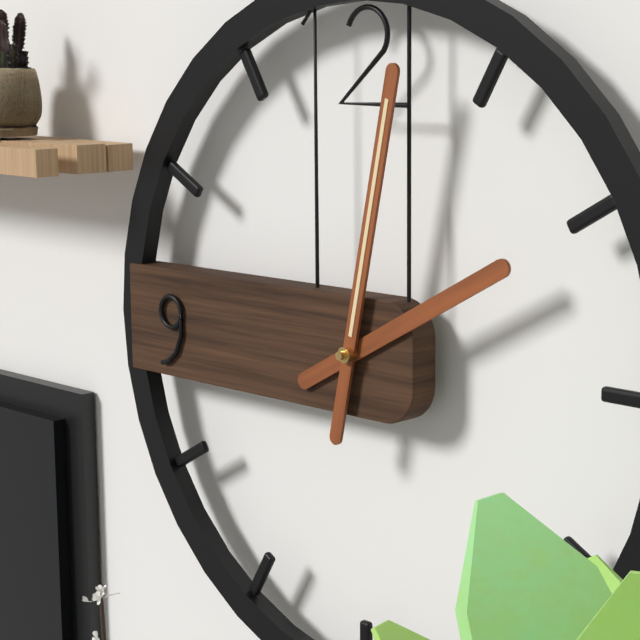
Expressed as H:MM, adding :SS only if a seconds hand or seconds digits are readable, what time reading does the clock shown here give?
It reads 2:02
